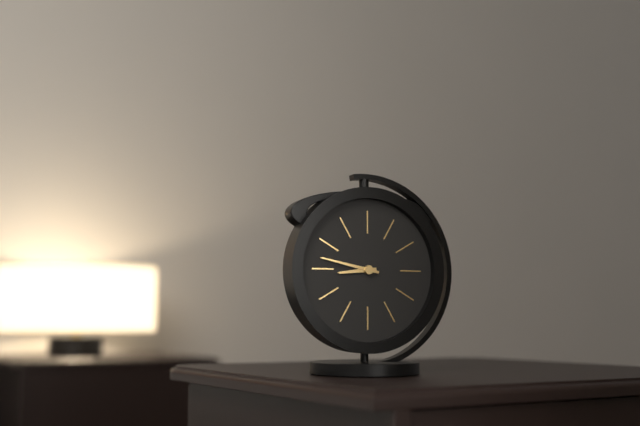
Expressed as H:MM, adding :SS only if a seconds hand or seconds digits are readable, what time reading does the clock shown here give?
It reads 8:47
